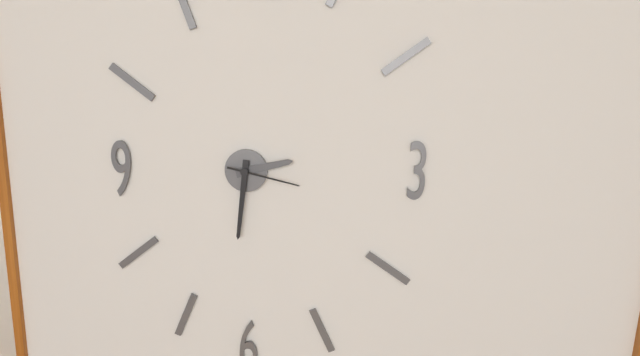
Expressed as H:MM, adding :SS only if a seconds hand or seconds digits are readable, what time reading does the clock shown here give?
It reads 2:31:17
